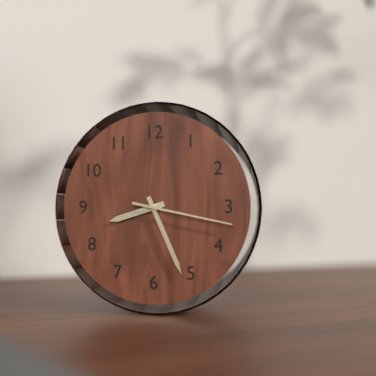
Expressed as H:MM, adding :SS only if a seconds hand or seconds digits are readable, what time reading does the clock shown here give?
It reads 8:26:17
